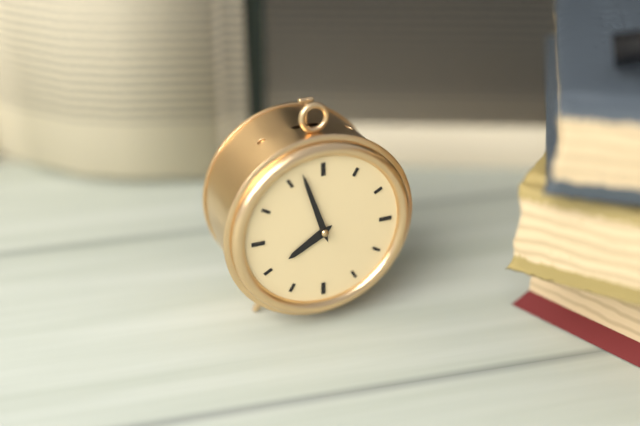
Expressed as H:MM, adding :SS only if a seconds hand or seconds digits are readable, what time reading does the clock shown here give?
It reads 7:57
